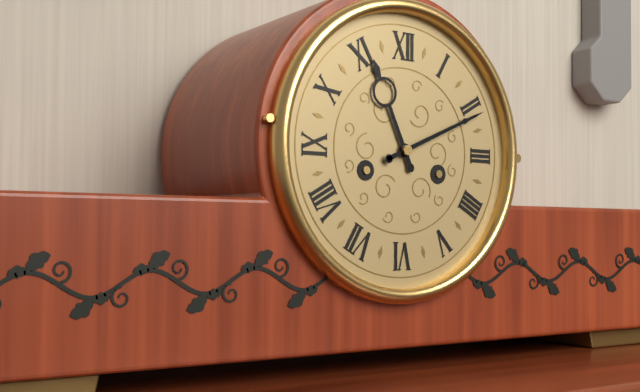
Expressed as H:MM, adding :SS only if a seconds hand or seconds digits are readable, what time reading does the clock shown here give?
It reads 11:11
